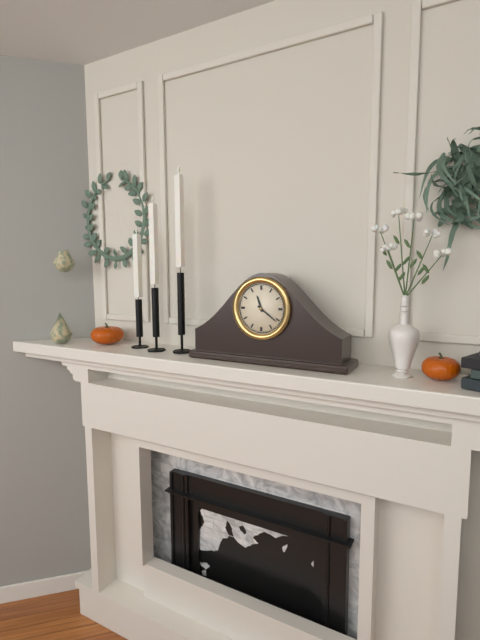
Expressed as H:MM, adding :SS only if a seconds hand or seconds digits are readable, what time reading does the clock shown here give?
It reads 11:21
